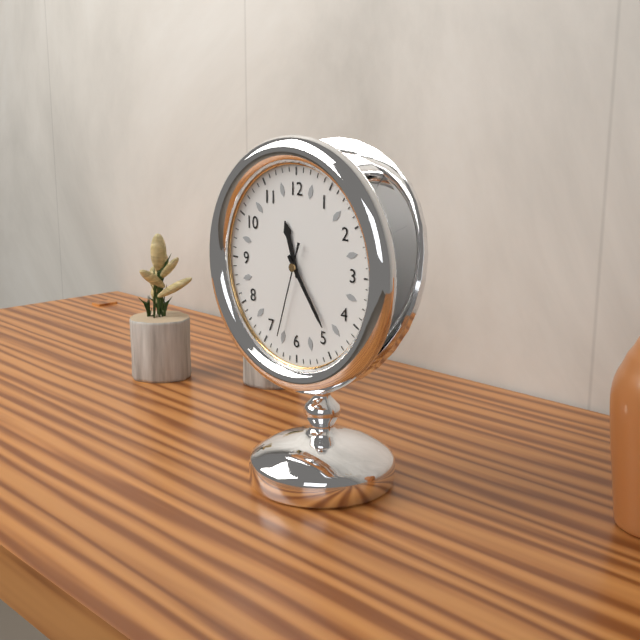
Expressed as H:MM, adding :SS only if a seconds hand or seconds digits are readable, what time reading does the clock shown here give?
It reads 11:24:33
